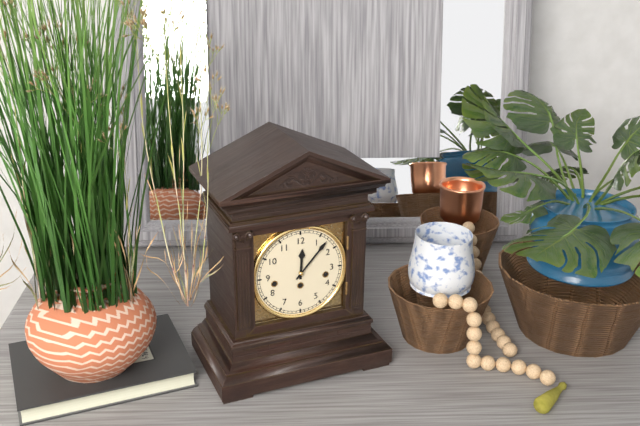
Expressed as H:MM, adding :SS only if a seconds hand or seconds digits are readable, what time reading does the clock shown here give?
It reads 12:07
